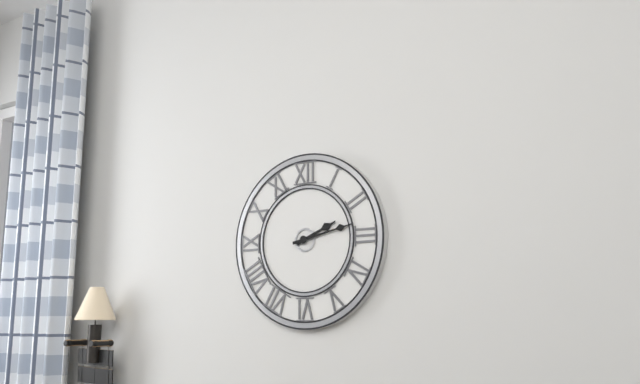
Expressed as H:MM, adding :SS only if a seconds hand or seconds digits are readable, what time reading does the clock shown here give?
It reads 2:13
